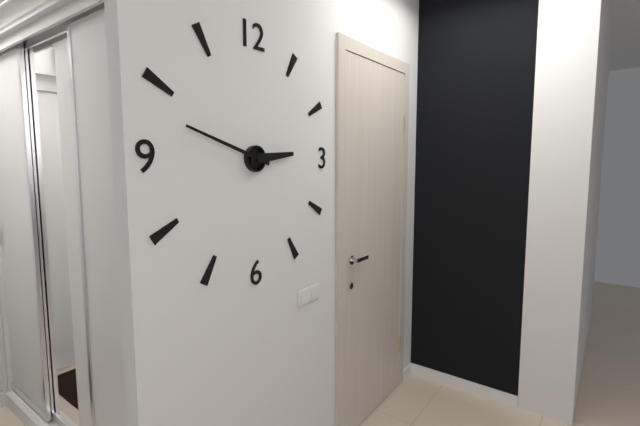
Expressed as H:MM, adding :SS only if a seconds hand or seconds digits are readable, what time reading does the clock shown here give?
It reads 2:48
